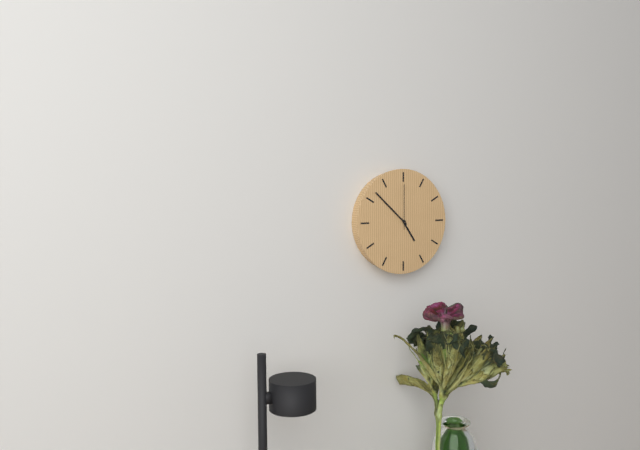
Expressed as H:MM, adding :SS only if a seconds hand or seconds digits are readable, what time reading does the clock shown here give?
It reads 4:52
